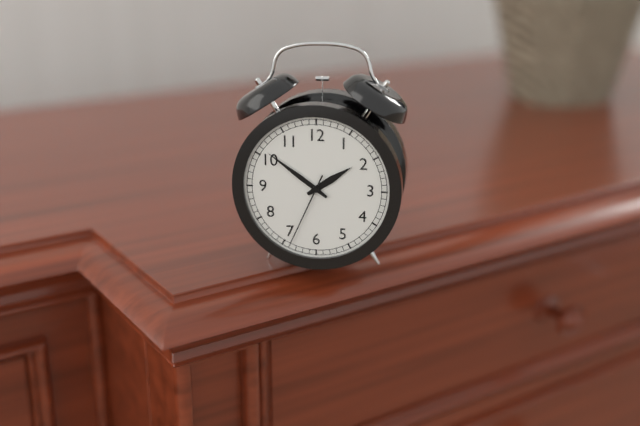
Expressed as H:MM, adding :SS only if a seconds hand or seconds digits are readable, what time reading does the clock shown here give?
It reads 1:51:34
